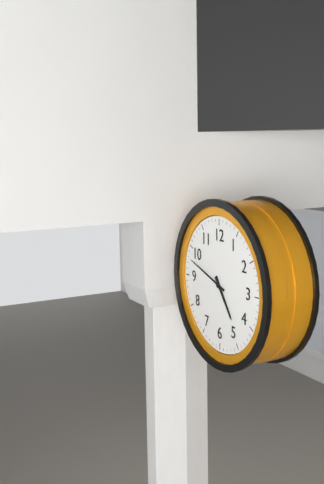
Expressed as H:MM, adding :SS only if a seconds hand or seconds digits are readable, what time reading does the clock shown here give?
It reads 4:48
